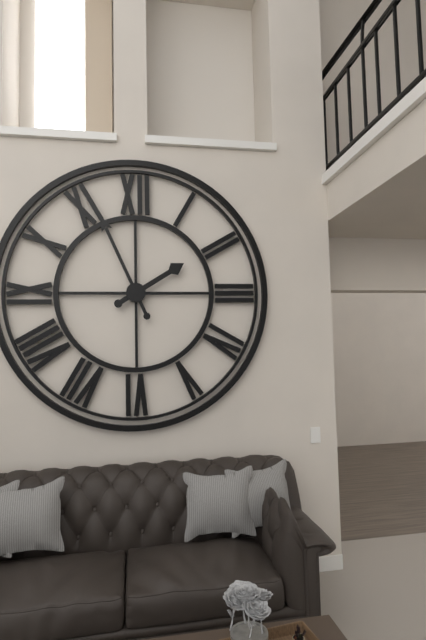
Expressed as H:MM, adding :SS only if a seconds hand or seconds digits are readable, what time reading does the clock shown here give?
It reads 1:56
